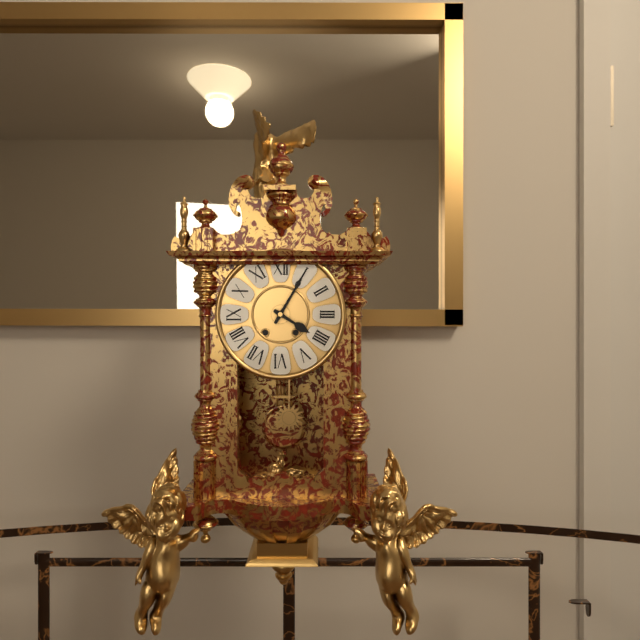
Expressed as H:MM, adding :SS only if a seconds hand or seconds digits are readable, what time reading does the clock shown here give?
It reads 4:05
